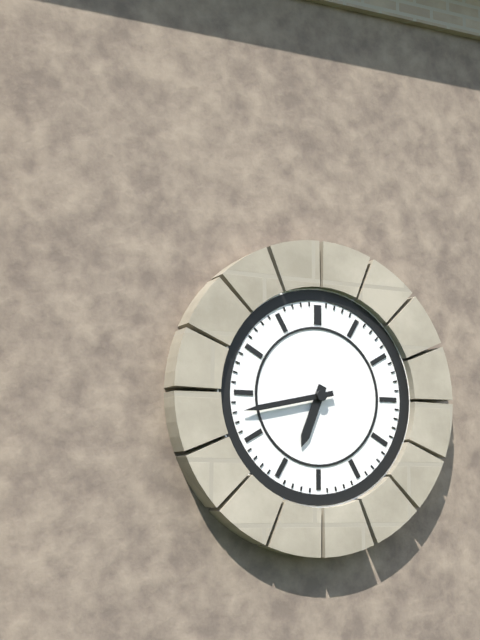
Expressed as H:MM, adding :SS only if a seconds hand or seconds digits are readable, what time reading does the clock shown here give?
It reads 6:43
